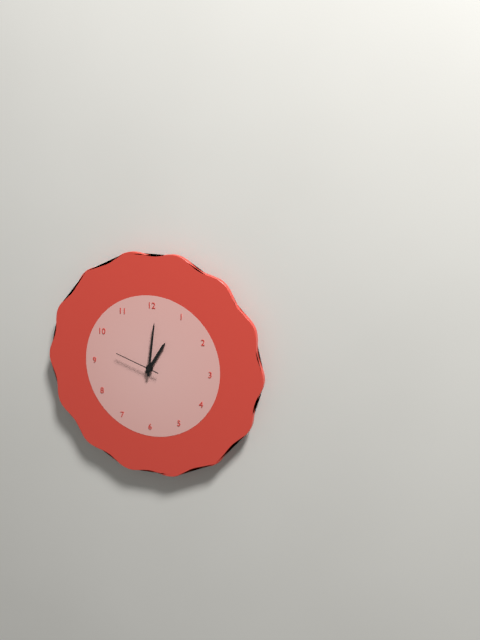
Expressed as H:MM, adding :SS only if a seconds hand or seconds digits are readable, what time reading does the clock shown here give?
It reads 1:01
